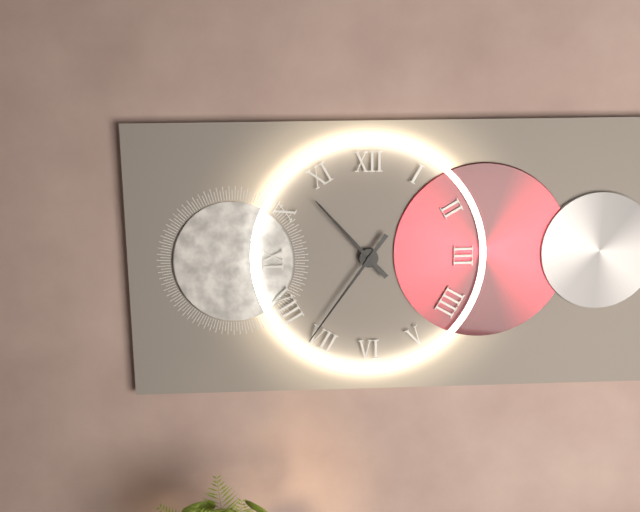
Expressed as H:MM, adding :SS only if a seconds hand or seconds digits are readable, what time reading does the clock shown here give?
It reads 10:36
